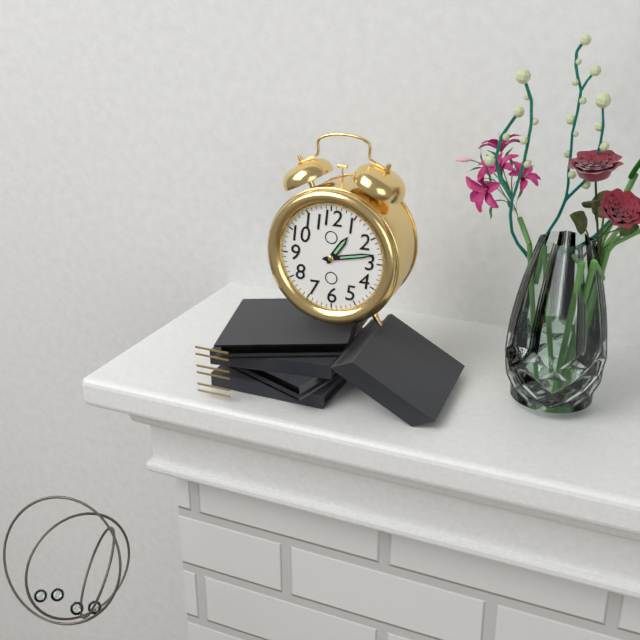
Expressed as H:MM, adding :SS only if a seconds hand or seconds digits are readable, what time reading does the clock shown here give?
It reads 1:13
